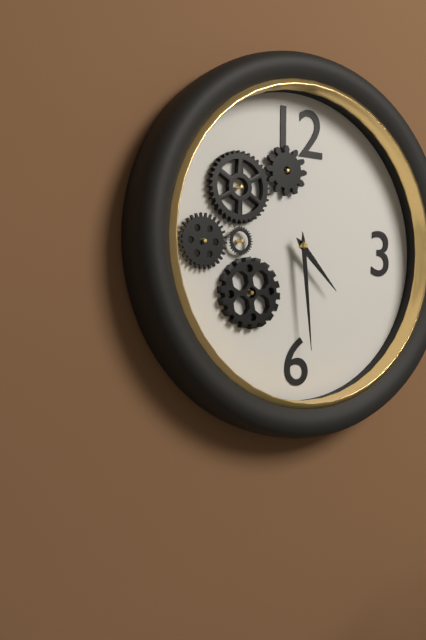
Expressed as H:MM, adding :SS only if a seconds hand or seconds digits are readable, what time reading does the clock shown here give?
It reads 4:29
